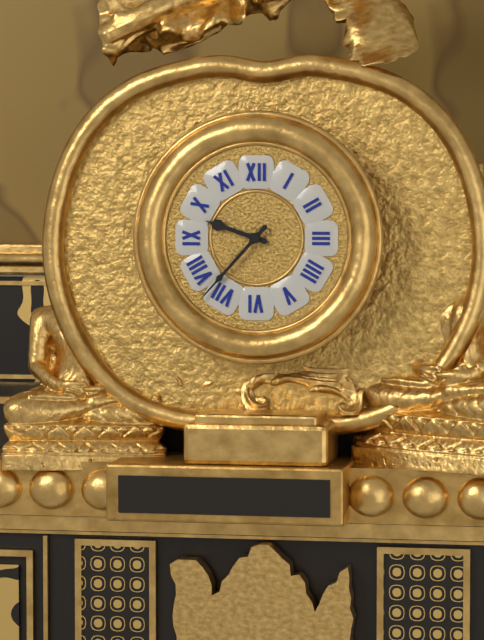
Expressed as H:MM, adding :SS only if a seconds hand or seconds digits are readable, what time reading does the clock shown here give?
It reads 9:37
